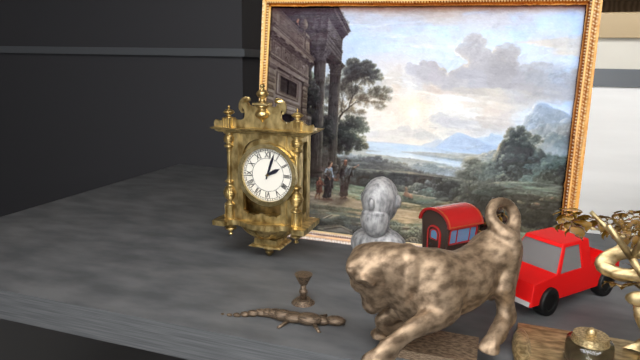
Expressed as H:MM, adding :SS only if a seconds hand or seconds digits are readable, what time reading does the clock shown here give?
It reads 2:03
